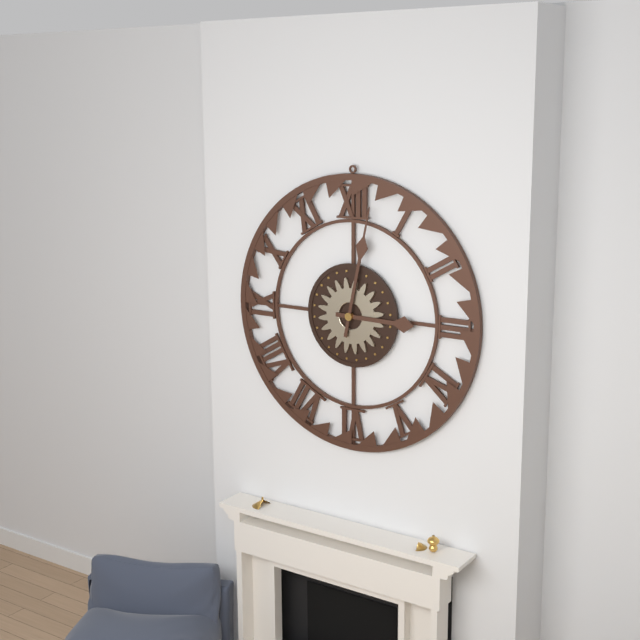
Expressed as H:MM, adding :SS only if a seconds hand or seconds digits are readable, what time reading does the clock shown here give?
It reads 3:02
